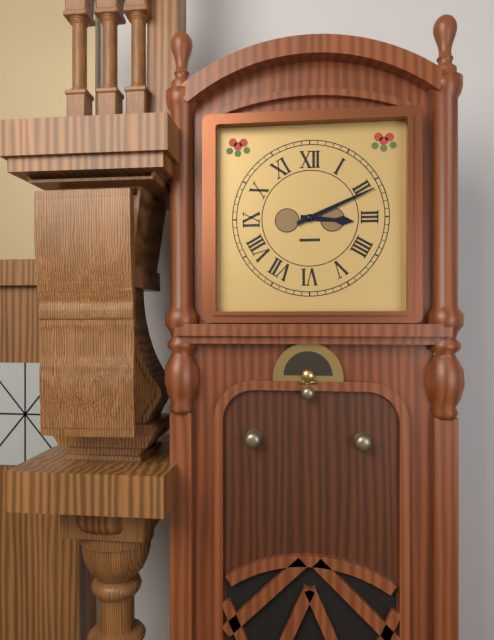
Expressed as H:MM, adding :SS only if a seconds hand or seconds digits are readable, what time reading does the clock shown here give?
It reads 3:11
